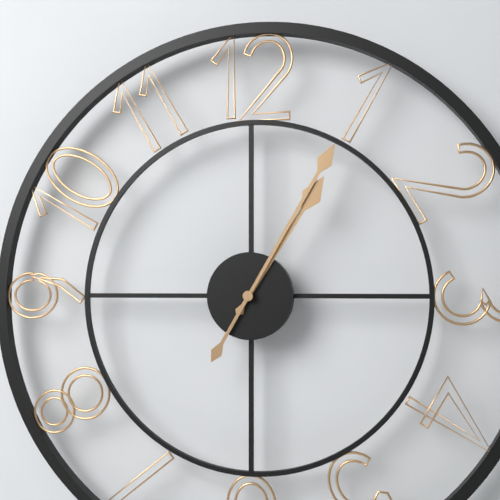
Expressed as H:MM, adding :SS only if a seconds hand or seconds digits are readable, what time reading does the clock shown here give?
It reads 1:05
